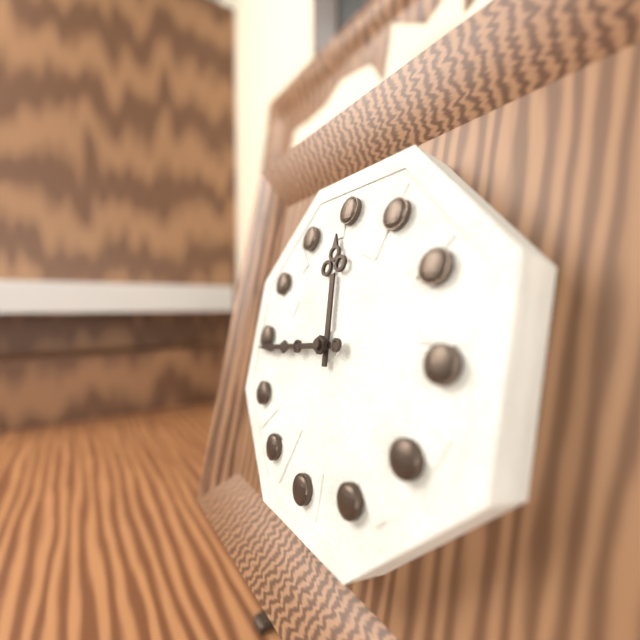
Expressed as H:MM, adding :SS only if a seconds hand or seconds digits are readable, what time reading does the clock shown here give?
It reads 11:44
